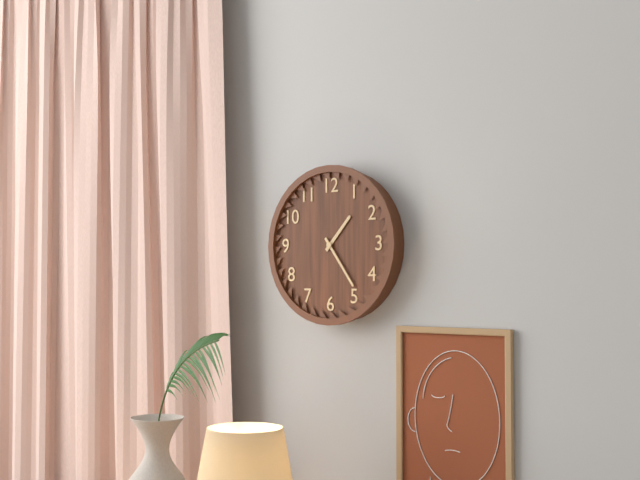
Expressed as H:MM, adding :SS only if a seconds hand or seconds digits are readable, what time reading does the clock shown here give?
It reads 1:24
